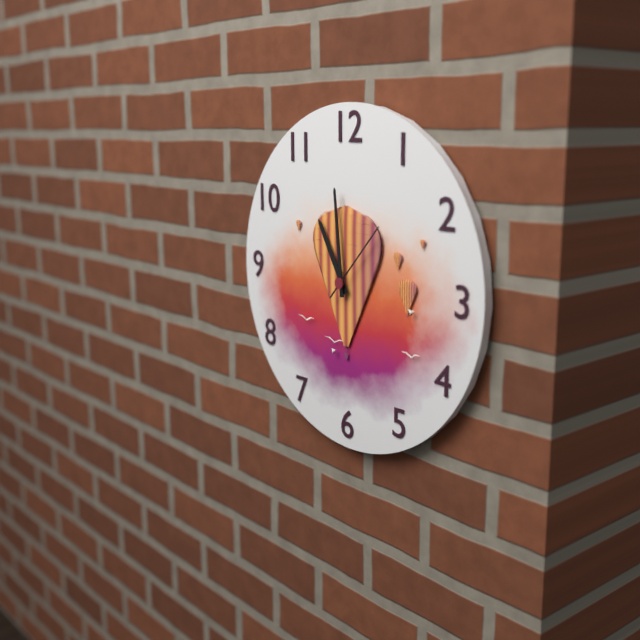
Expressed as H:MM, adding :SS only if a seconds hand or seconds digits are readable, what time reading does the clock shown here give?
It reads 10:59:07
